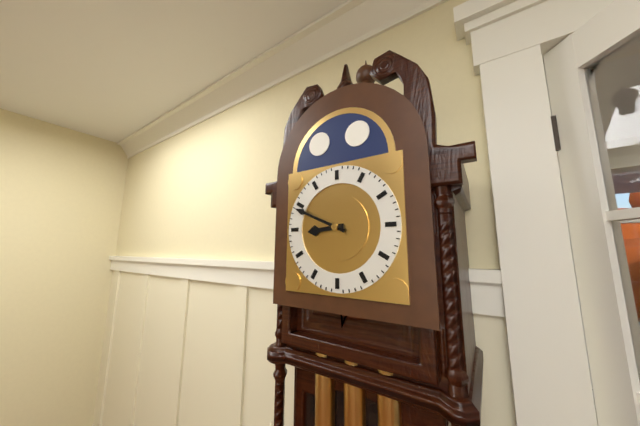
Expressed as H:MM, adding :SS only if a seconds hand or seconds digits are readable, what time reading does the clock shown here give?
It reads 8:49
